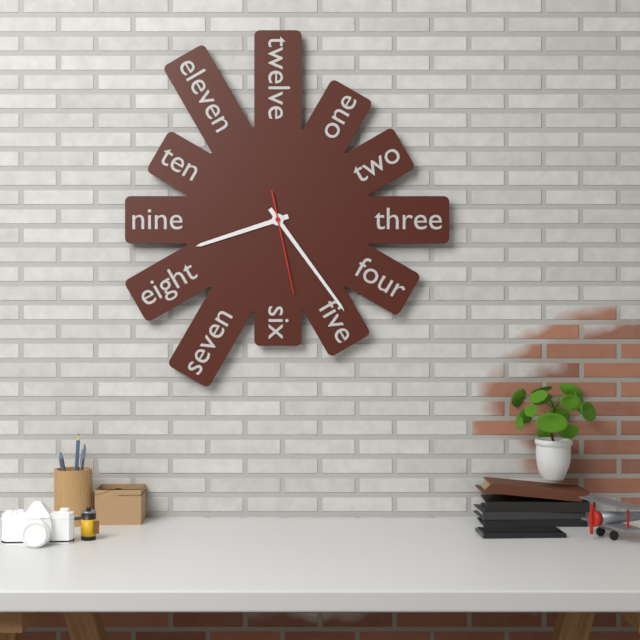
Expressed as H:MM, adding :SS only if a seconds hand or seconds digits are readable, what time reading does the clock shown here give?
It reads 8:24:28
